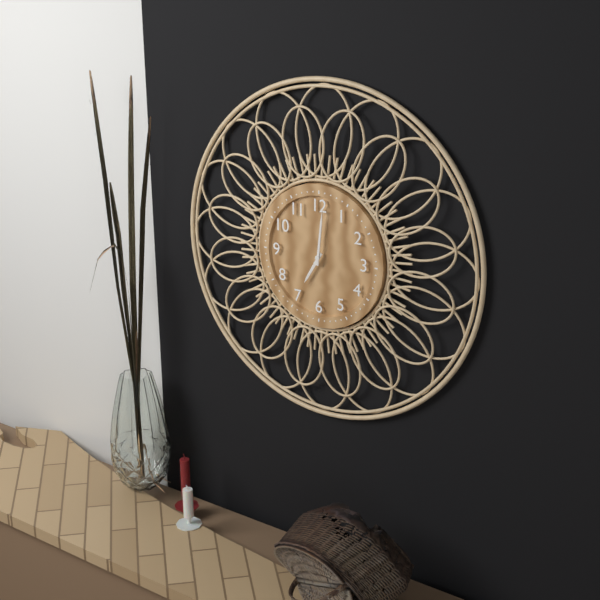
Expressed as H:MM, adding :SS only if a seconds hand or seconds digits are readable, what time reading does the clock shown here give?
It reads 7:01
